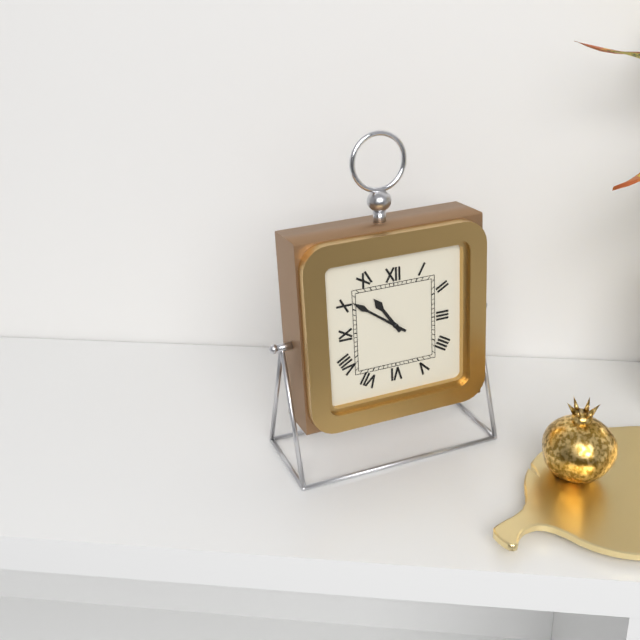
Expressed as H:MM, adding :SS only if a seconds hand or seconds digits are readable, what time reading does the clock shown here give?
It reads 10:51
